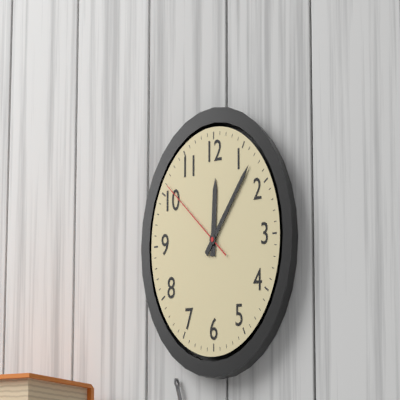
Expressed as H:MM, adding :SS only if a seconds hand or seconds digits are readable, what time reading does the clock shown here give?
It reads 12:07:51
